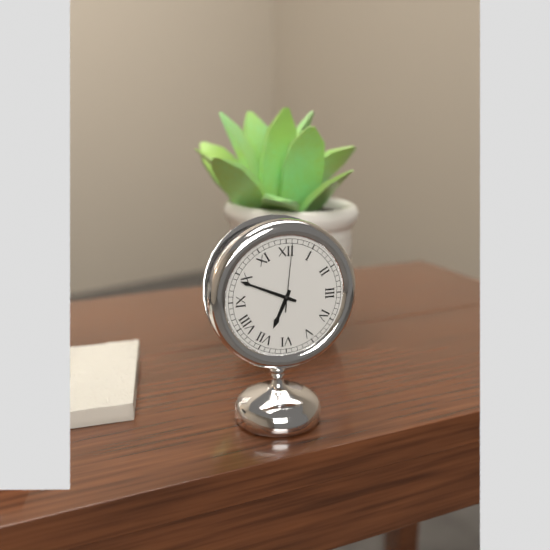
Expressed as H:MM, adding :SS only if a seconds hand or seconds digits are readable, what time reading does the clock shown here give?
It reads 6:49:01
